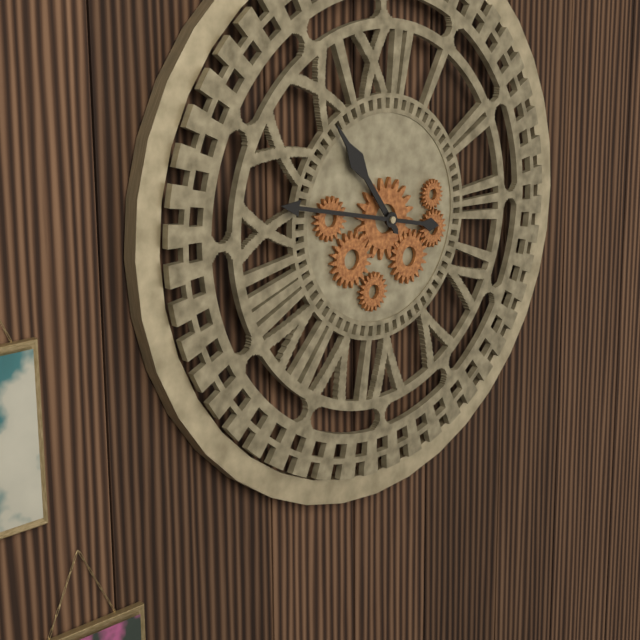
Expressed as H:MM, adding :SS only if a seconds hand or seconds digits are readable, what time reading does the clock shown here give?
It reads 10:47
